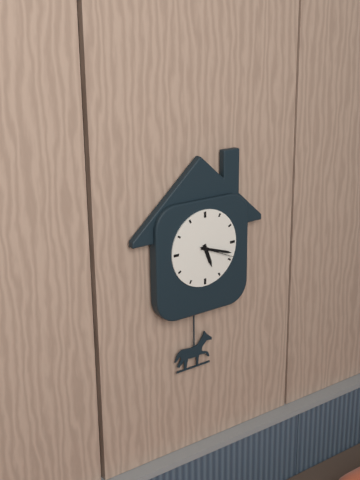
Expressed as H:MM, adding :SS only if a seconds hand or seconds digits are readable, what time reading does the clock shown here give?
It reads 5:18
